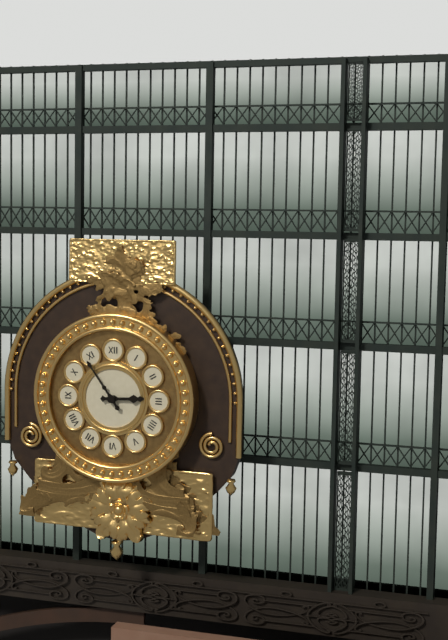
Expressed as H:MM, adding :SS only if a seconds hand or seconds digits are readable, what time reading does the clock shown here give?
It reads 2:54
